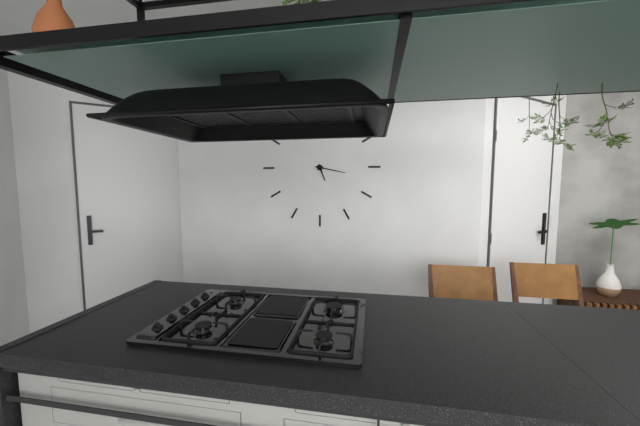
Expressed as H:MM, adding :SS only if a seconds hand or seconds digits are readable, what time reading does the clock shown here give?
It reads 5:17
